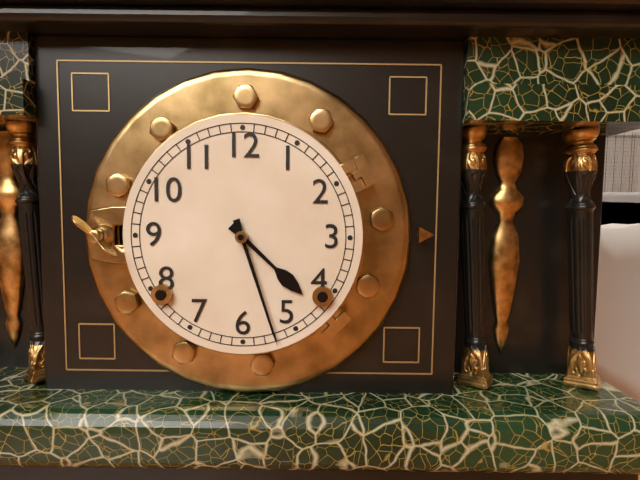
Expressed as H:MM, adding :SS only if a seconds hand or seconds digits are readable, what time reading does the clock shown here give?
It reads 4:27
